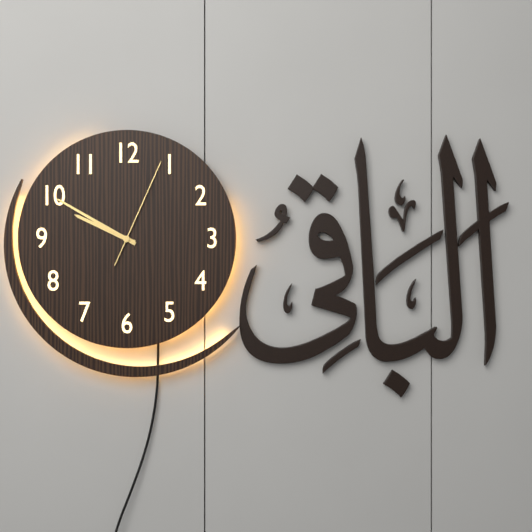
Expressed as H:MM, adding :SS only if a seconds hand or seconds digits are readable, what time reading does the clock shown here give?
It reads 9:50:04
